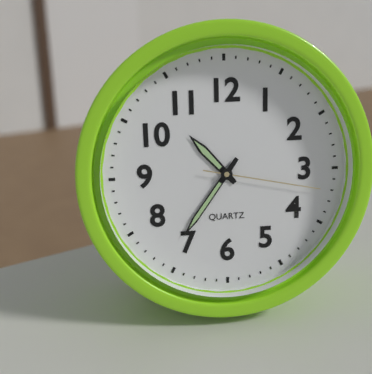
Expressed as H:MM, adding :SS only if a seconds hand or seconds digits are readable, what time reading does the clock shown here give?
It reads 10:36:17
